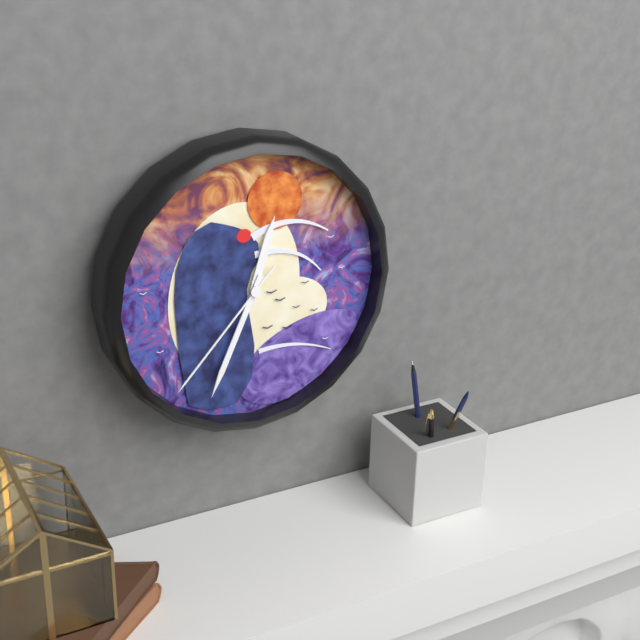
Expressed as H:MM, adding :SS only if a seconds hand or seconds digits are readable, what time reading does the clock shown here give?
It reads 12:34:37
